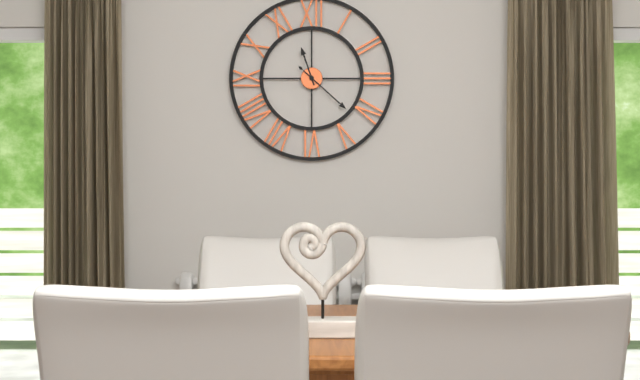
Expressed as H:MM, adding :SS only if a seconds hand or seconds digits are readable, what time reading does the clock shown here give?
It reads 11:22
